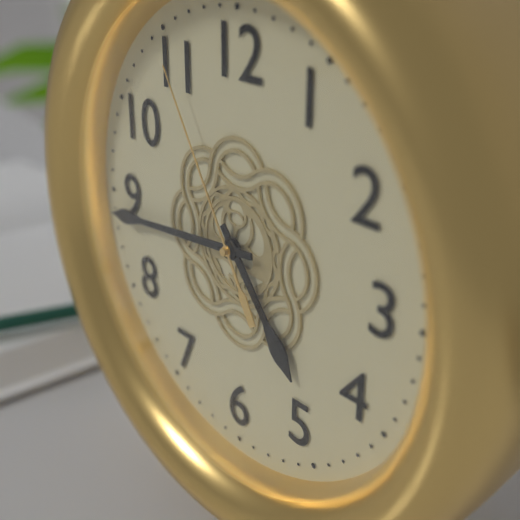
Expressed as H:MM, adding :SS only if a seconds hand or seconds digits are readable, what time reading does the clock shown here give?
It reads 4:44:55
